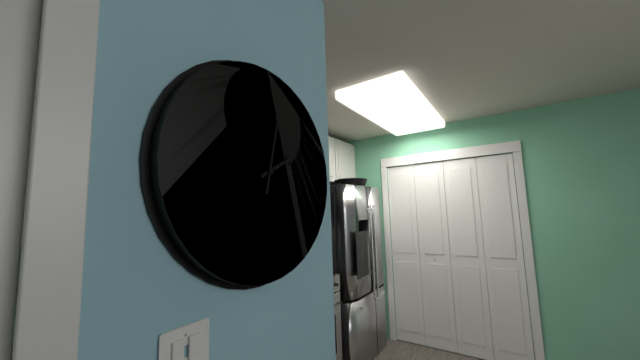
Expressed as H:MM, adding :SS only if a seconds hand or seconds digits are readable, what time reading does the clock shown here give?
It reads 2:02
